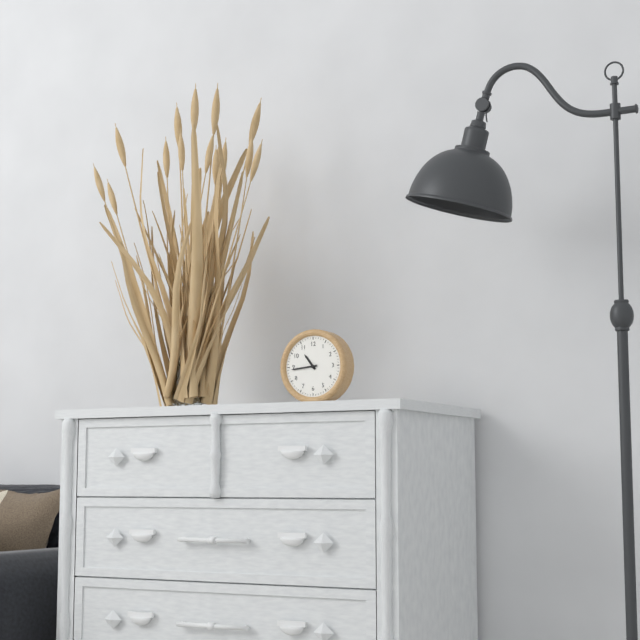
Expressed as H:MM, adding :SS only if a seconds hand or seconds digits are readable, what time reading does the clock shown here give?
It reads 10:44
